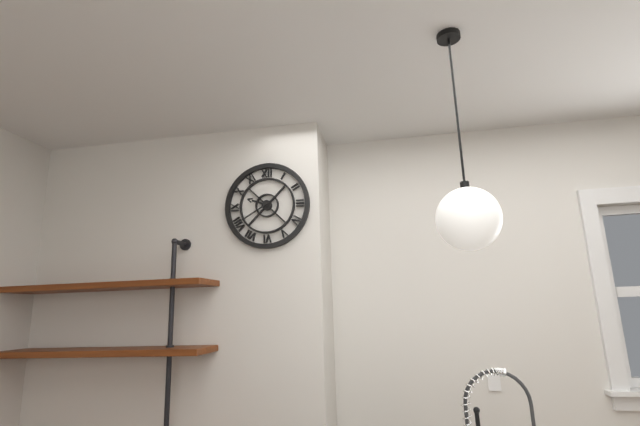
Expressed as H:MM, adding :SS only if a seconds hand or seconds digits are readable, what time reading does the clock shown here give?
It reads 9:40
